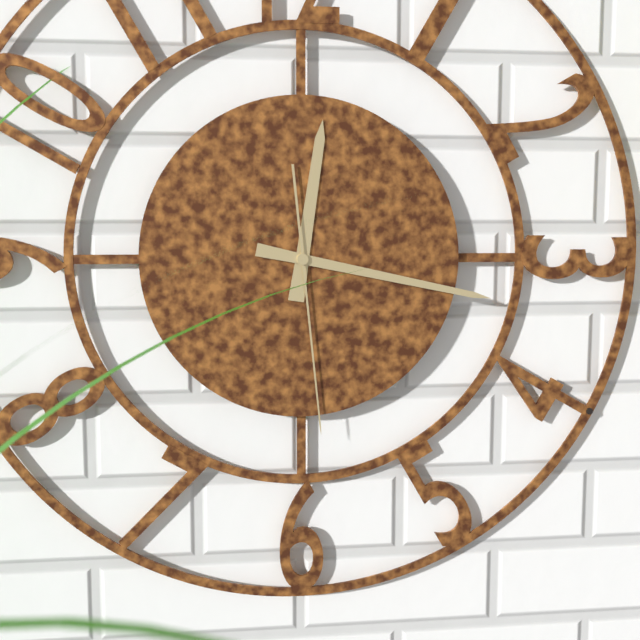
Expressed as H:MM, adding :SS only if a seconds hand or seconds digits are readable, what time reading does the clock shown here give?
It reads 12:17:29
